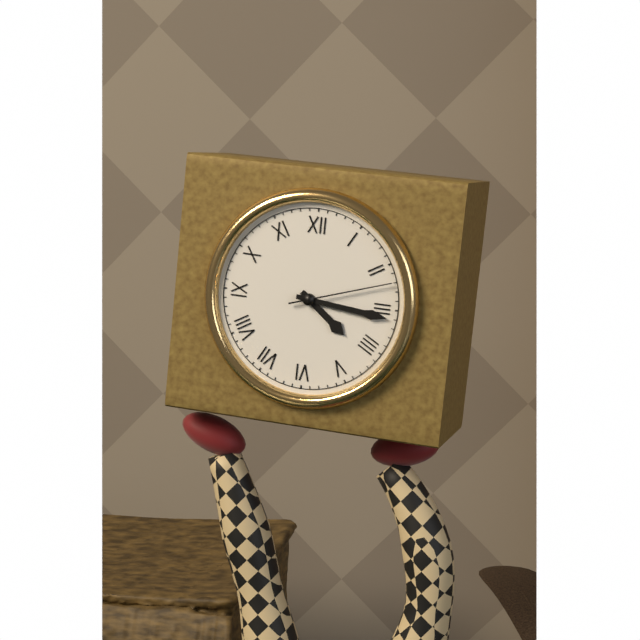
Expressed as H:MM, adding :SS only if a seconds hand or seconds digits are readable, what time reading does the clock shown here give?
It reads 4:16:12
